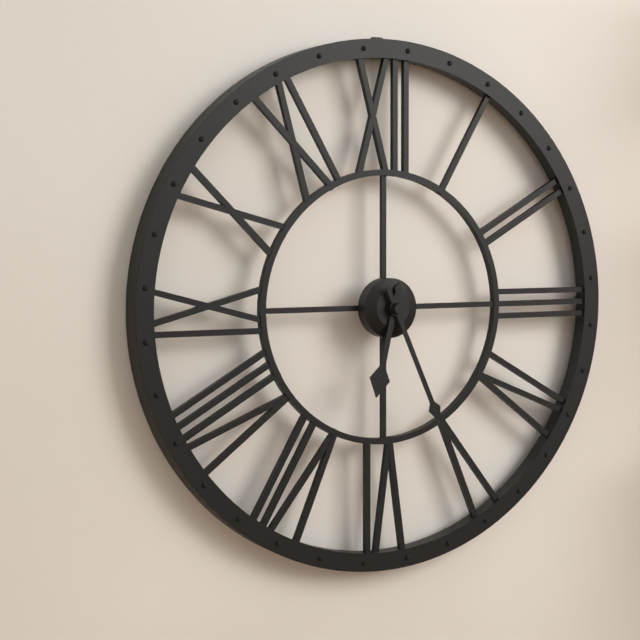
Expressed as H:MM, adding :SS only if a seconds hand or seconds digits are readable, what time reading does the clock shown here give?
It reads 6:26
